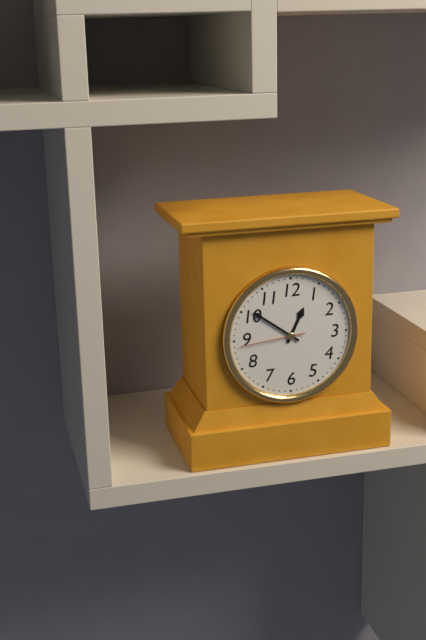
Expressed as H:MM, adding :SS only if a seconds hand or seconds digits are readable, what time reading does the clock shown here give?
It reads 12:51:44
